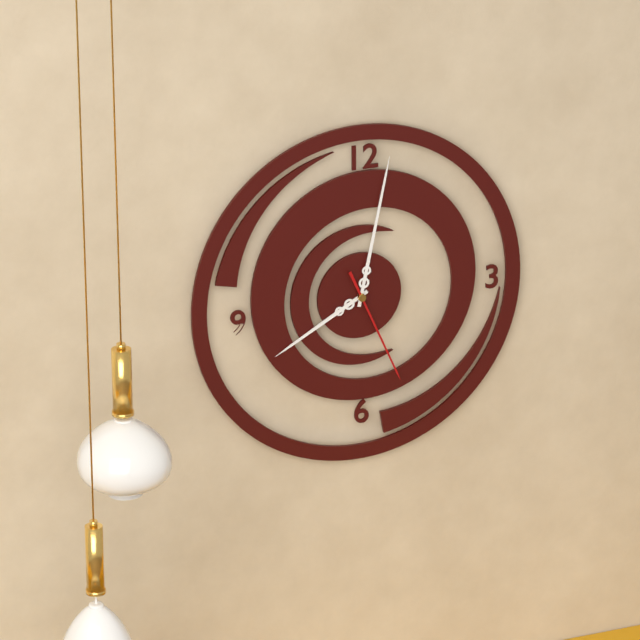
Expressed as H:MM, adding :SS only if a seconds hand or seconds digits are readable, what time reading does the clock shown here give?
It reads 8:02:26
